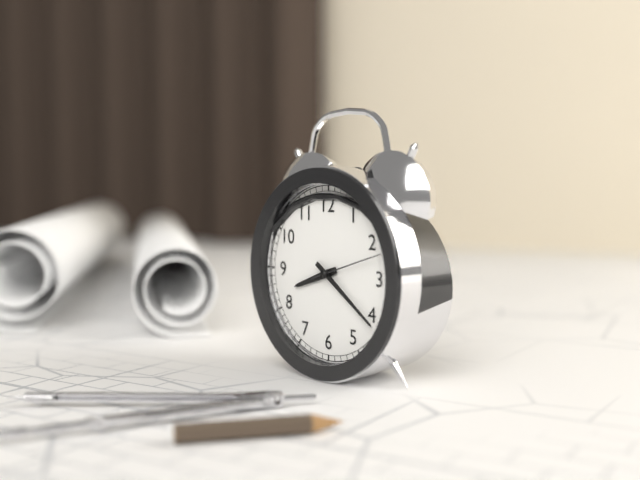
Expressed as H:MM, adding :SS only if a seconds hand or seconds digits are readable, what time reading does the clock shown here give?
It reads 8:21:12
